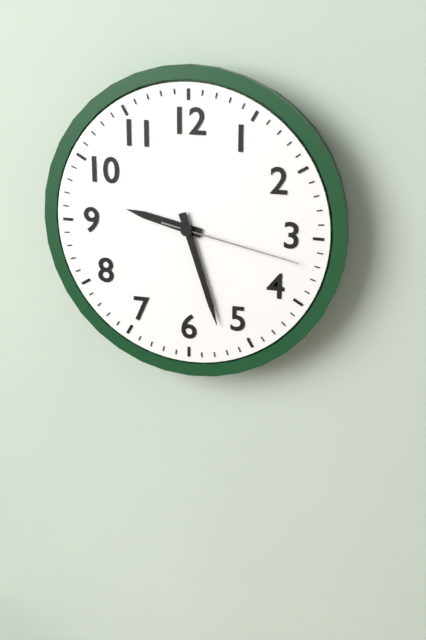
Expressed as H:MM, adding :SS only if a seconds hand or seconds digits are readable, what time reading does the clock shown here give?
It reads 9:27:17
